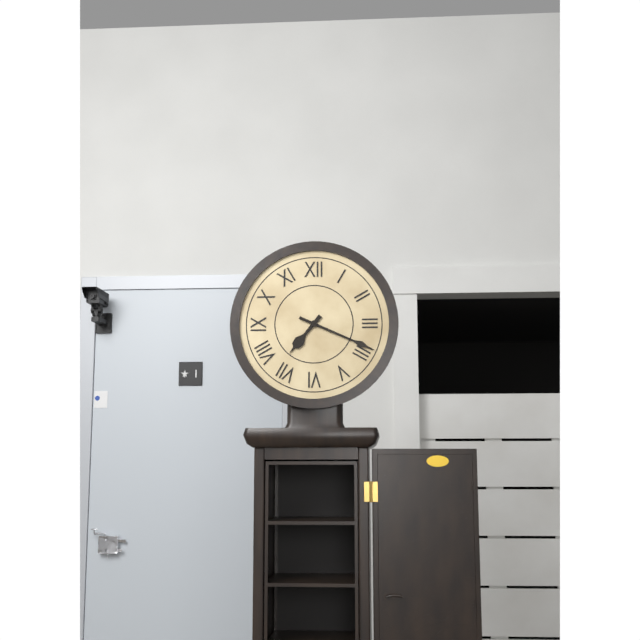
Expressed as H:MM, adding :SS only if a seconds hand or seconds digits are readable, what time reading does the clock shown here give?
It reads 7:19
